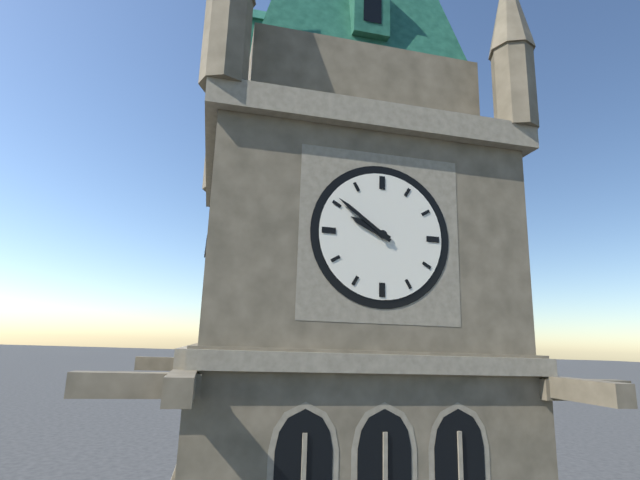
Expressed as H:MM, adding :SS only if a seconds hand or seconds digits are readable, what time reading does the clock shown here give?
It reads 9:51
